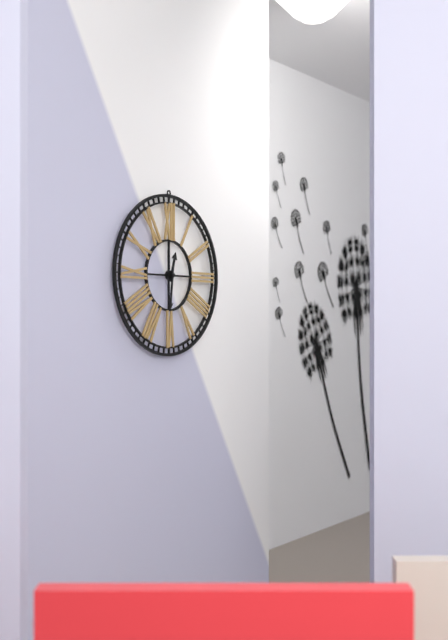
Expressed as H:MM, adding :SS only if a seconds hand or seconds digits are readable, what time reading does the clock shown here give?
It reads 12:31
